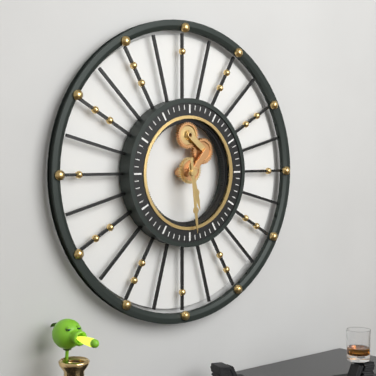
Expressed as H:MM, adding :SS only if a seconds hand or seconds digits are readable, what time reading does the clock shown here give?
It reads 5:29
